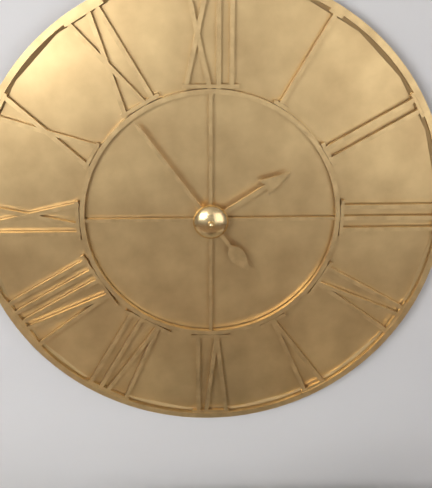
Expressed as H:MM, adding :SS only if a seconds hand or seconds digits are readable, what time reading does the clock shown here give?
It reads 1:54
